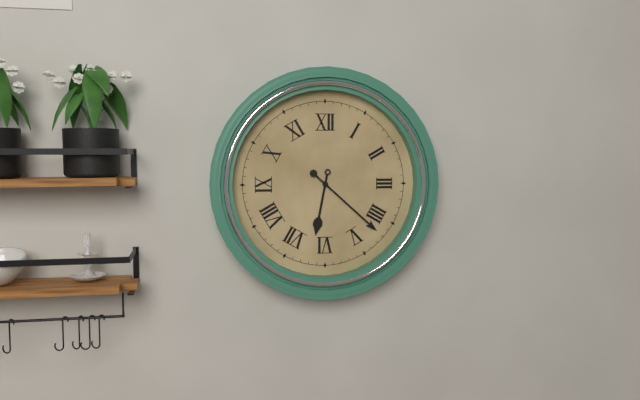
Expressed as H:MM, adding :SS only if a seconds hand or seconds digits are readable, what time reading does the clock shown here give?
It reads 6:22
